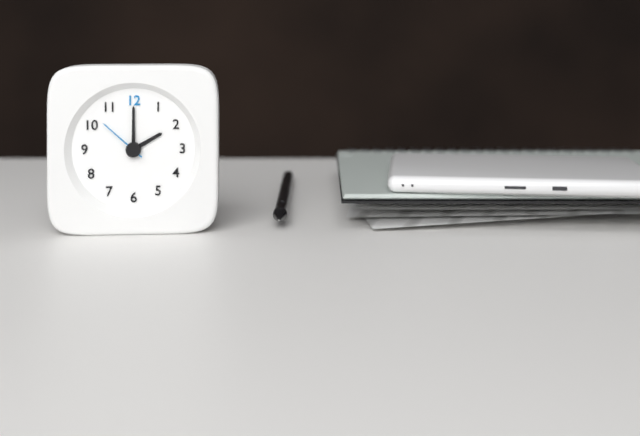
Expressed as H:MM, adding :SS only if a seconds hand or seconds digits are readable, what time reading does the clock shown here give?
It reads 2:00:52
